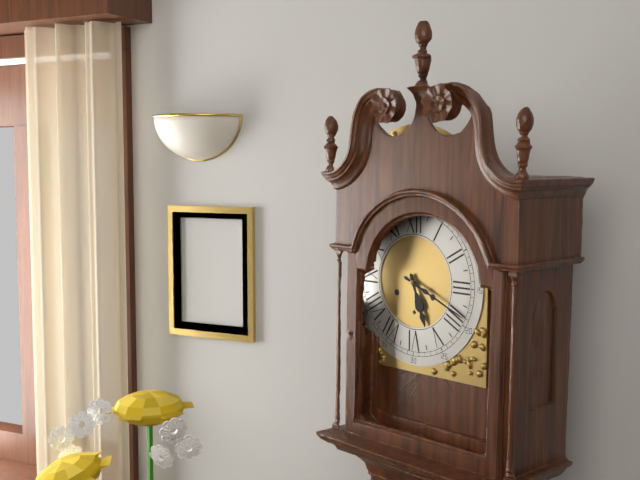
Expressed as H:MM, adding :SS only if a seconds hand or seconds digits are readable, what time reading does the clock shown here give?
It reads 5:19
